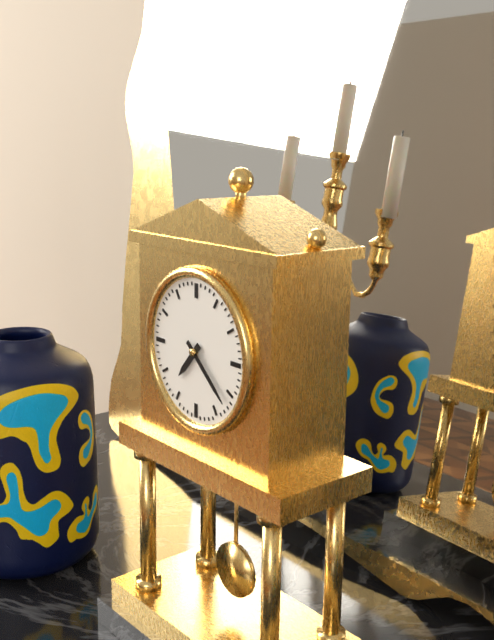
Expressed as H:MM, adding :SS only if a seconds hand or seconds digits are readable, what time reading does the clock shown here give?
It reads 7:22
